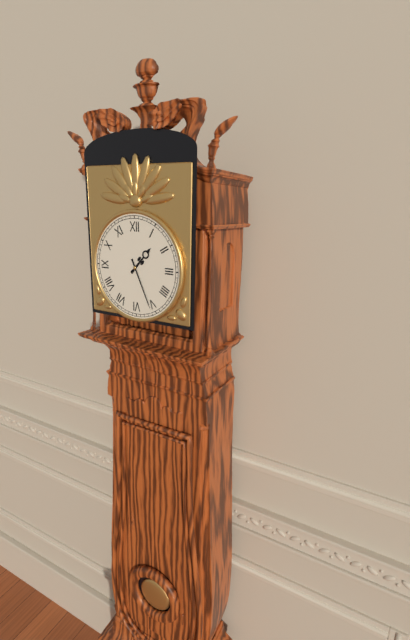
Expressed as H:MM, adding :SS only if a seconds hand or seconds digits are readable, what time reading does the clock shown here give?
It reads 1:26
